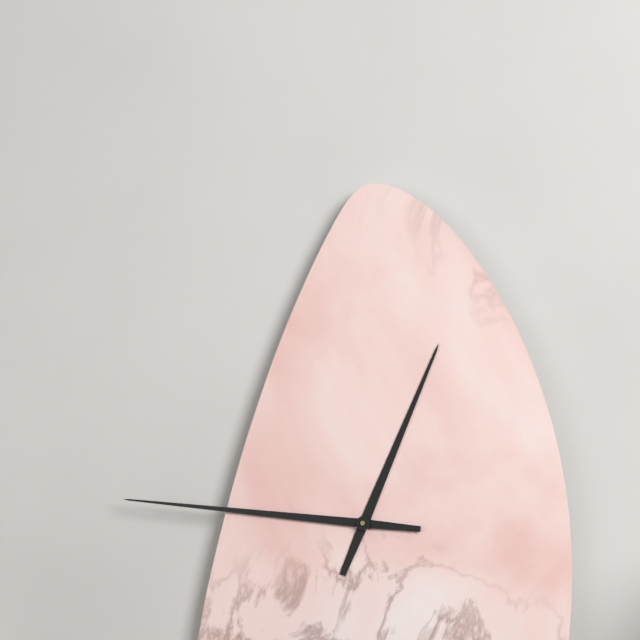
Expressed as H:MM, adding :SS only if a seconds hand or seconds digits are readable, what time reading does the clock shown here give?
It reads 12:46
